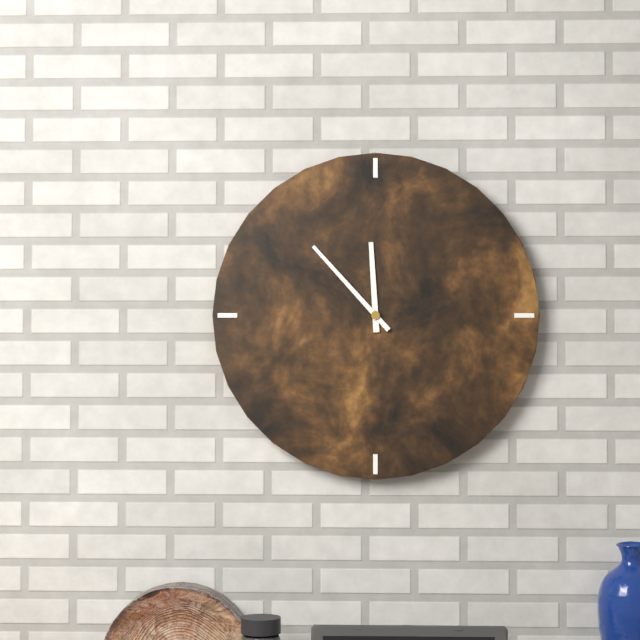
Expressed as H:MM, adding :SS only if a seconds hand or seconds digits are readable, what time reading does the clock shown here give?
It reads 11:53
